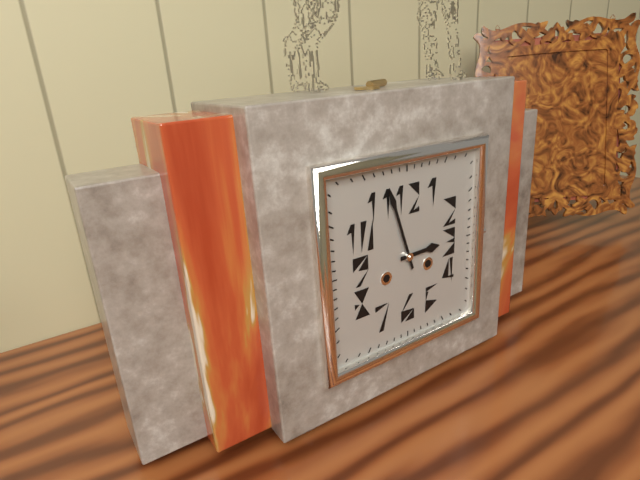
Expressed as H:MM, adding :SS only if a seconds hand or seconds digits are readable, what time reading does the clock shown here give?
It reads 2:57
